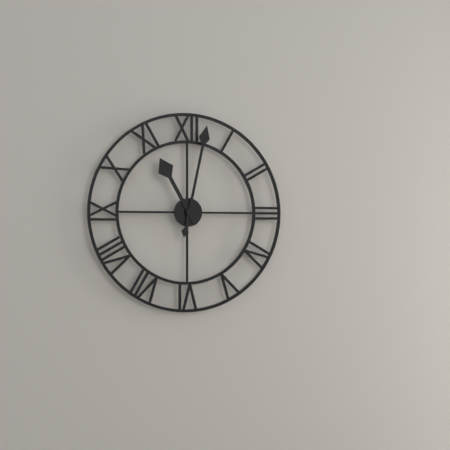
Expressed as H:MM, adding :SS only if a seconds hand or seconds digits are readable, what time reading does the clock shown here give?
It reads 11:02
